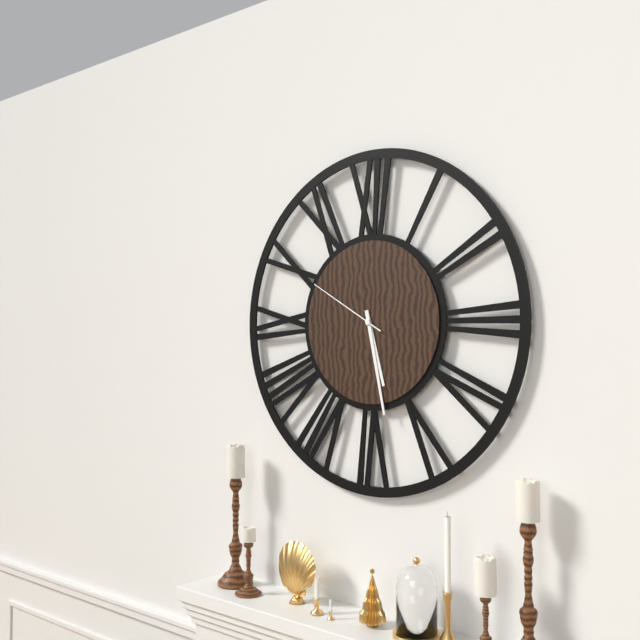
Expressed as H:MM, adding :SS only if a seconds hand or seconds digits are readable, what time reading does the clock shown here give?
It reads 5:28:50
